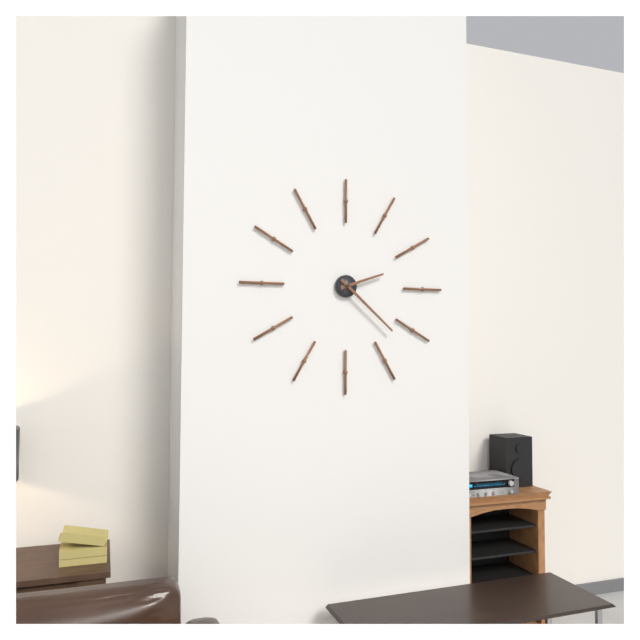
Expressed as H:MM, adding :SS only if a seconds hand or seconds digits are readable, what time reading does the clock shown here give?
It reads 2:22
